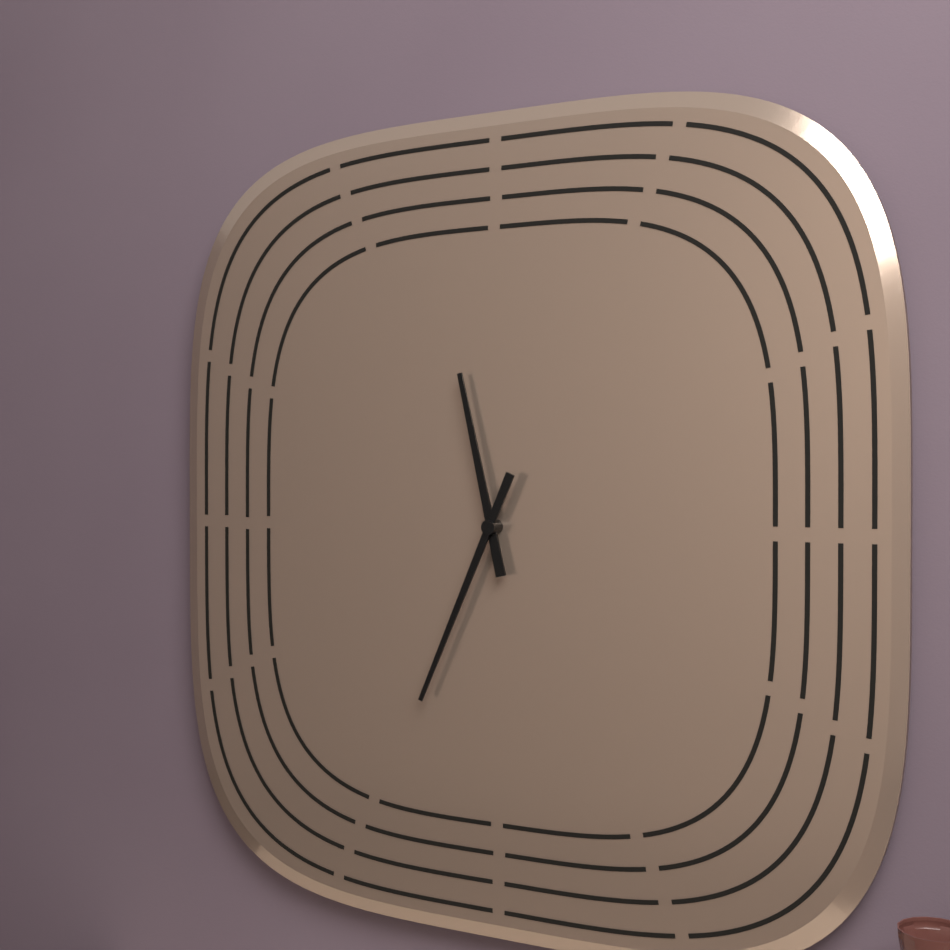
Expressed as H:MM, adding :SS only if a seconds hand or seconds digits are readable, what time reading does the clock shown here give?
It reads 11:34
